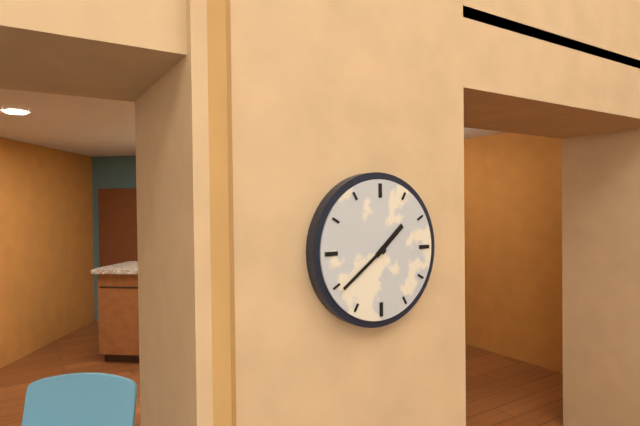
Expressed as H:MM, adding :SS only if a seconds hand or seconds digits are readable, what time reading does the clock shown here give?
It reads 1:39
